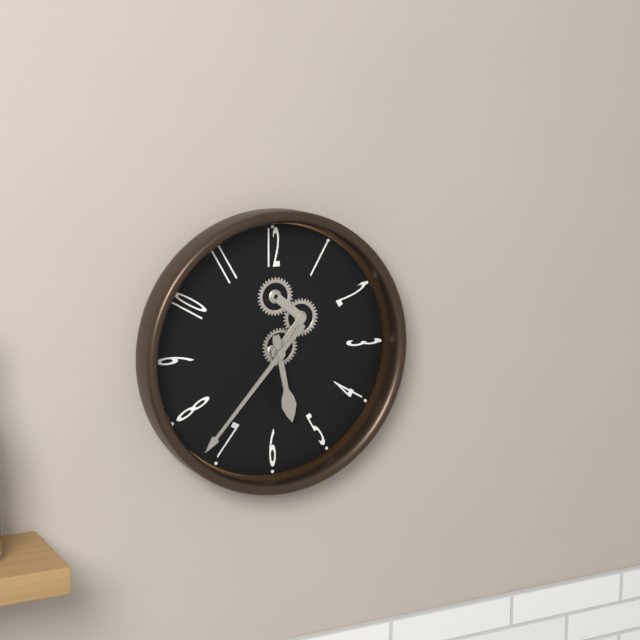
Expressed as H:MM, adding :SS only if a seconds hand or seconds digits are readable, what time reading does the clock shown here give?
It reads 5:37
